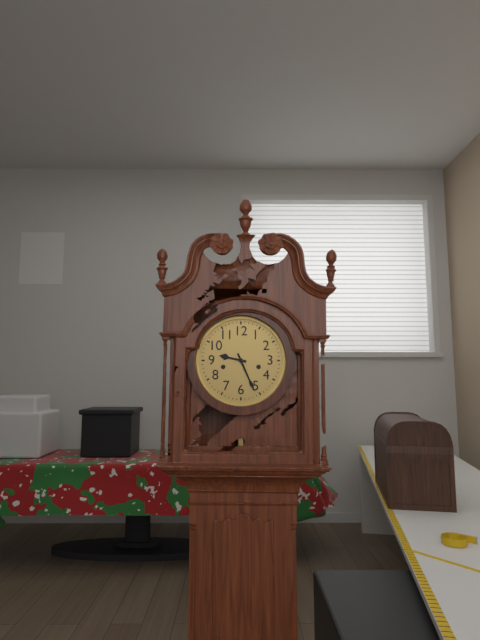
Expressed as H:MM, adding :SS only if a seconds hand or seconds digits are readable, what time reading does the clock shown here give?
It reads 9:26
